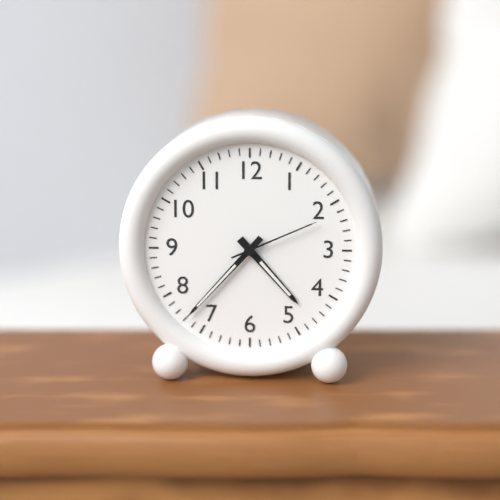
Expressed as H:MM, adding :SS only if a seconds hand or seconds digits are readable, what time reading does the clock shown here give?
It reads 4:37:11
